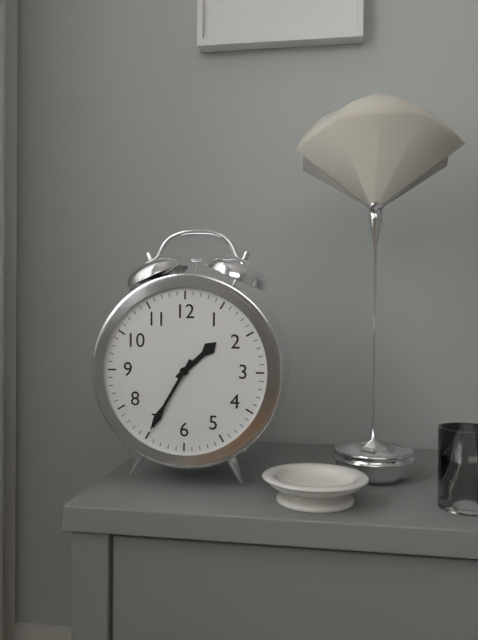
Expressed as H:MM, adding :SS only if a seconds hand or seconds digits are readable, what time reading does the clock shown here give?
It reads 1:35
